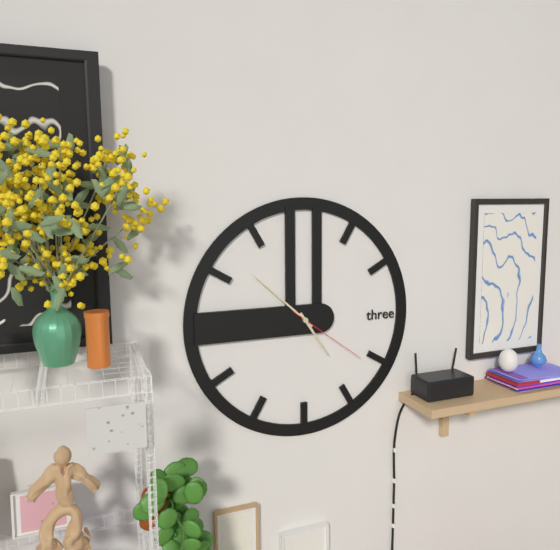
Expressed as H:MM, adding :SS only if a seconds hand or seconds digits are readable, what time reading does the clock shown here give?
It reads 4:52:21
